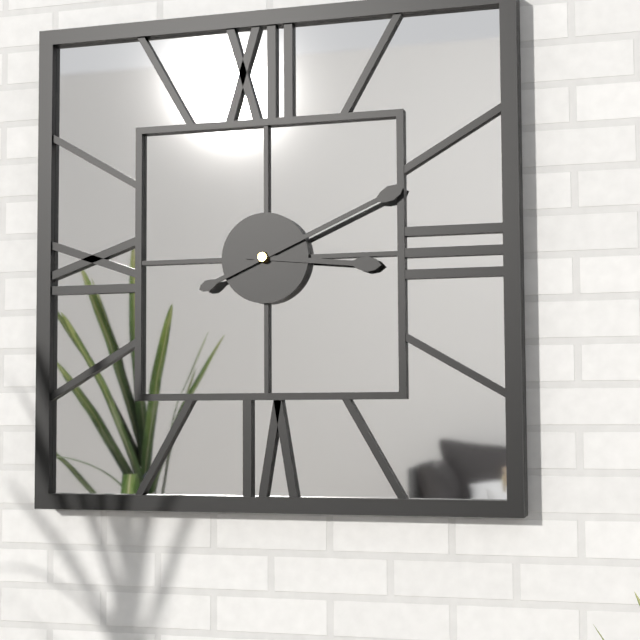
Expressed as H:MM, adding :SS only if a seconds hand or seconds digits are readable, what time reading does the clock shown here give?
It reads 3:11
